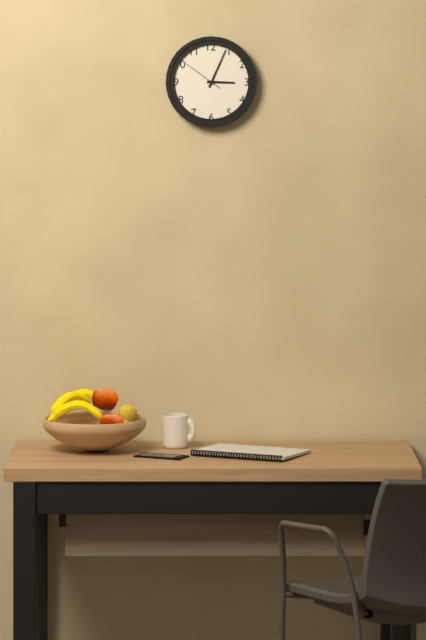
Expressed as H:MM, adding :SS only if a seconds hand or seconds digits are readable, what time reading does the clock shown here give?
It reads 3:04
